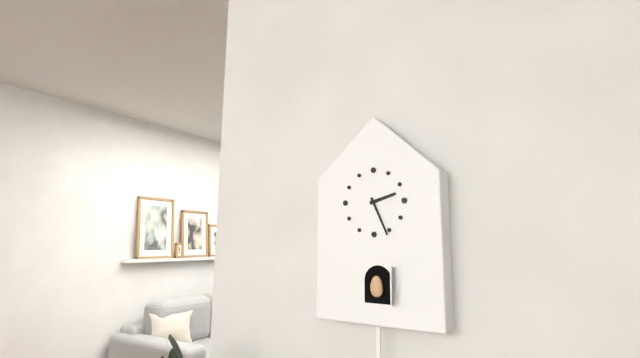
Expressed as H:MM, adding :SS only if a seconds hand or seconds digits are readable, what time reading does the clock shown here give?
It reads 2:26
